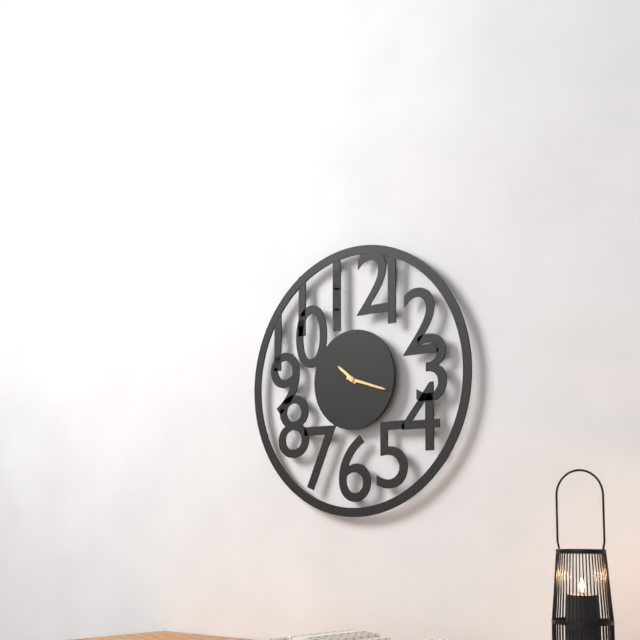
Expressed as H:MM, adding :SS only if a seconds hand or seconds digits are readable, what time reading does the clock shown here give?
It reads 10:18
